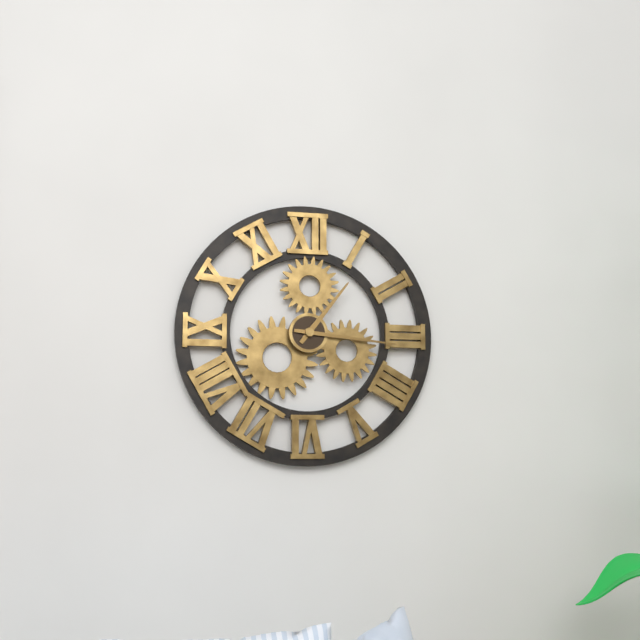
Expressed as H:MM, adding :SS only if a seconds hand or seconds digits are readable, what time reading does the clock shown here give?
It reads 1:16
